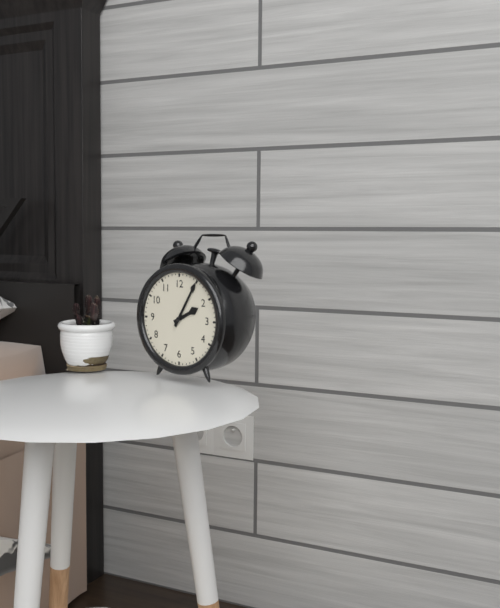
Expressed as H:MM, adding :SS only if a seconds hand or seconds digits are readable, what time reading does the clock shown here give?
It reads 2:05
